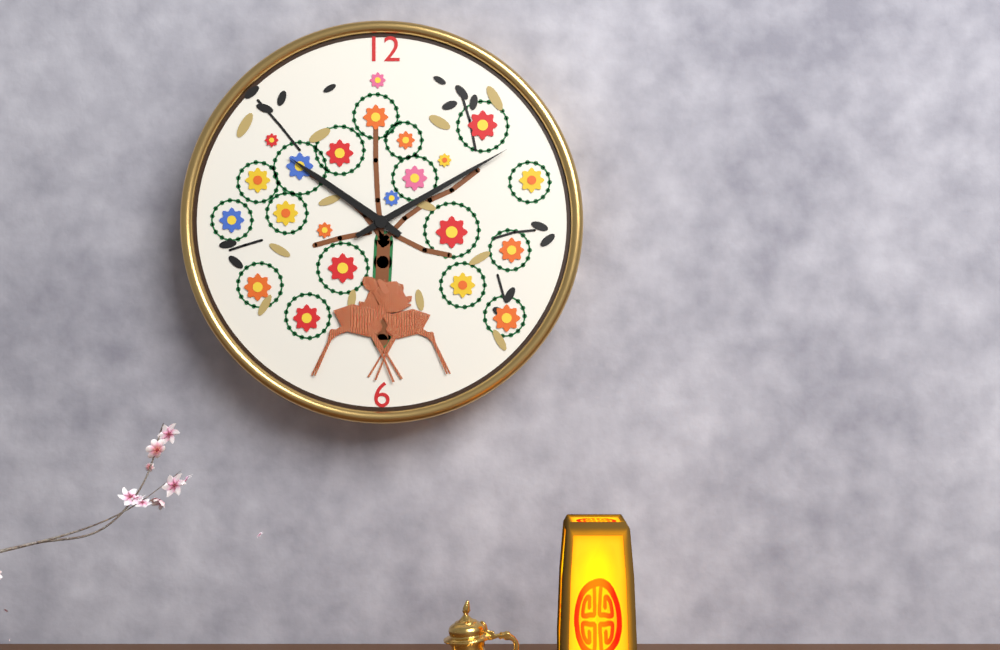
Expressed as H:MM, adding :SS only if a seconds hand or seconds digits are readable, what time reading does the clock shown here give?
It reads 10:10
